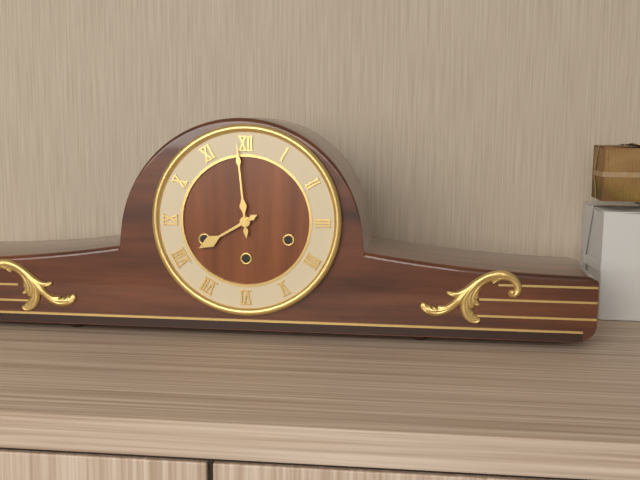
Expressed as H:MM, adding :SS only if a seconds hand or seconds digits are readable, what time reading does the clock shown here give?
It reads 7:59
